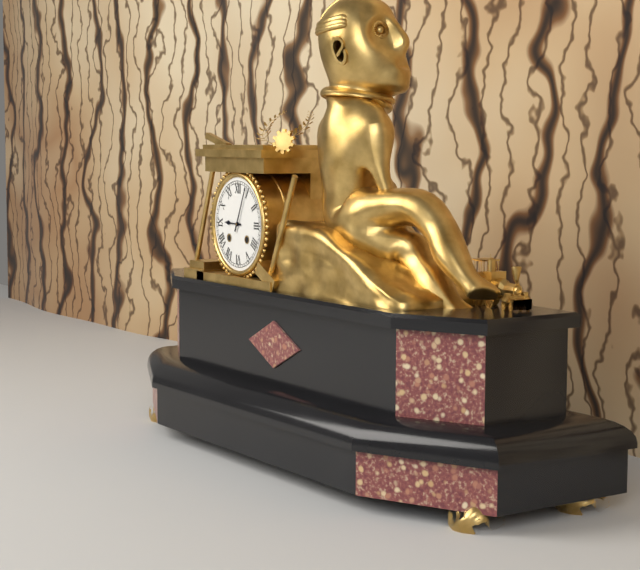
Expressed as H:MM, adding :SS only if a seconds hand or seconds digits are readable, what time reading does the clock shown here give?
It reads 9:04
